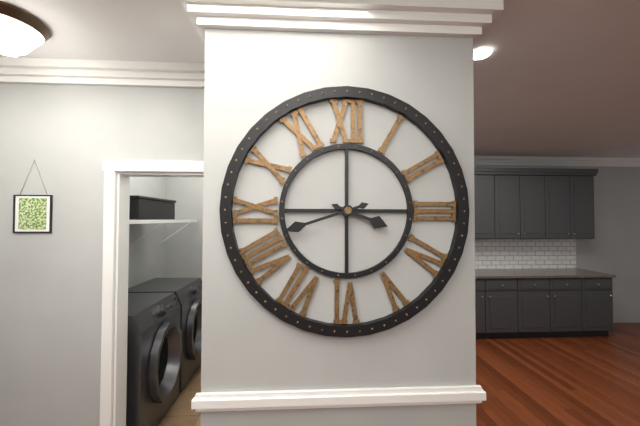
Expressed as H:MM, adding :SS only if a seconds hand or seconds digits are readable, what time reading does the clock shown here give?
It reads 3:42
